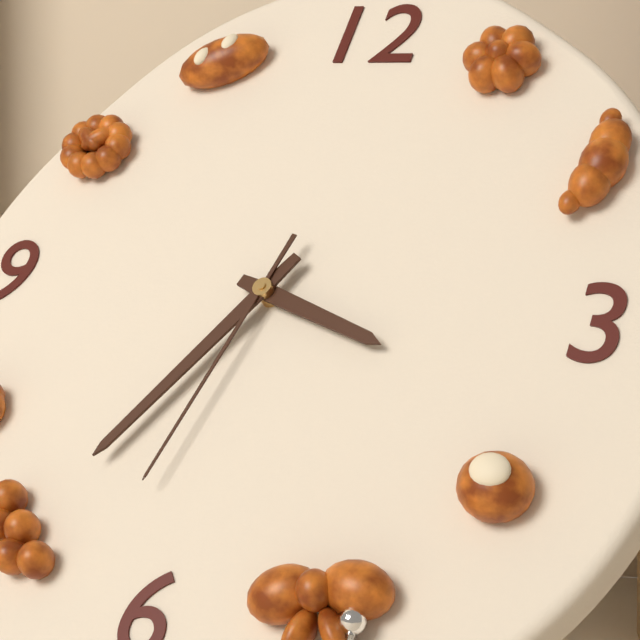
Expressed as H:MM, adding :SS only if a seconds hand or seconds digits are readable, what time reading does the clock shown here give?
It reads 3:35:32
